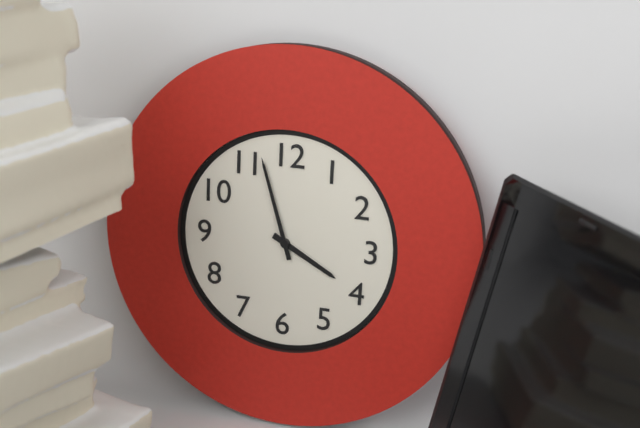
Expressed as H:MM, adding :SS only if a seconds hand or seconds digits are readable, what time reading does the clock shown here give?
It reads 3:57
